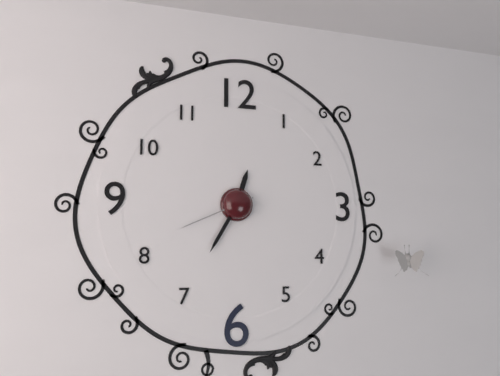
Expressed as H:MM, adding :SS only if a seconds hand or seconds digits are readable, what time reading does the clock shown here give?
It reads 12:35:41
